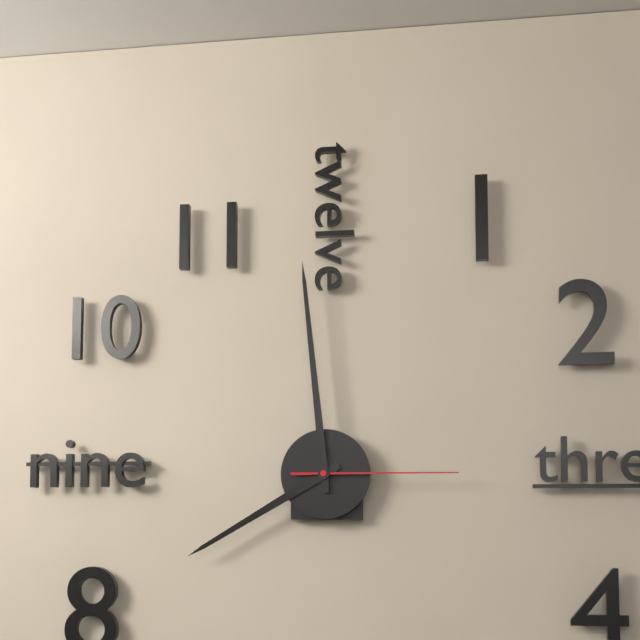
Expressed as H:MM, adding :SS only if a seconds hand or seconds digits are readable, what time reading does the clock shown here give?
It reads 7:59:15
